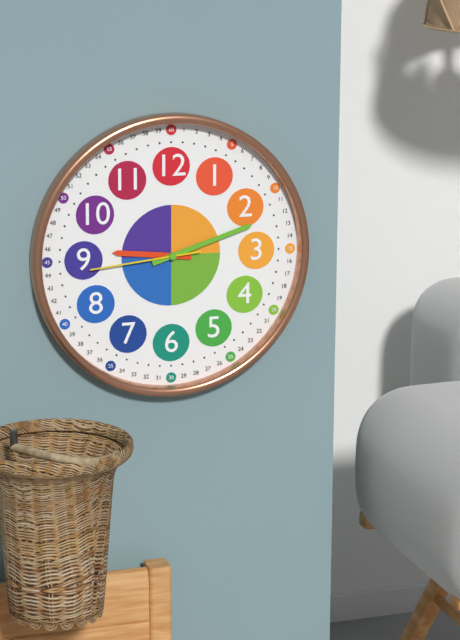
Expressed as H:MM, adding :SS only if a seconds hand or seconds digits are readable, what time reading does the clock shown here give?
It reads 9:12:44
